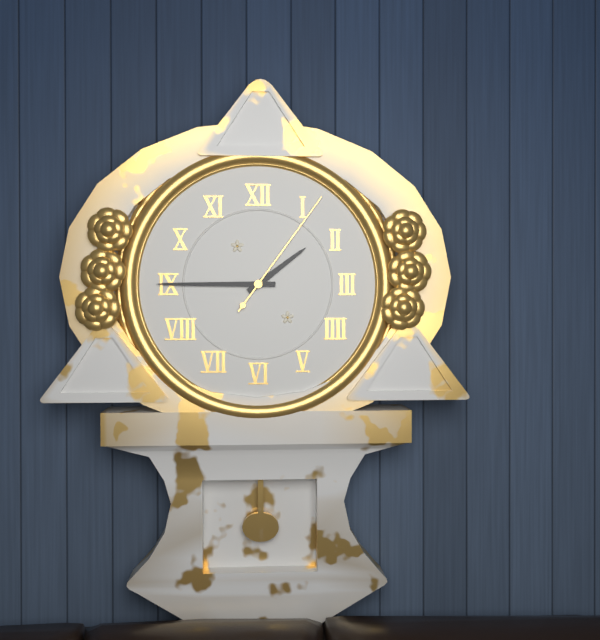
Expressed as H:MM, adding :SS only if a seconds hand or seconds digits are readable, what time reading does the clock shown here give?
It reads 1:45:06
